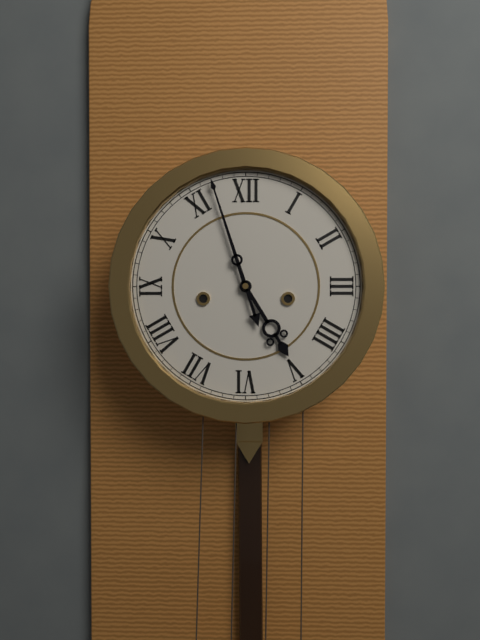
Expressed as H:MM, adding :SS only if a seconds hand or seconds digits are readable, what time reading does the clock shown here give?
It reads 4:57
